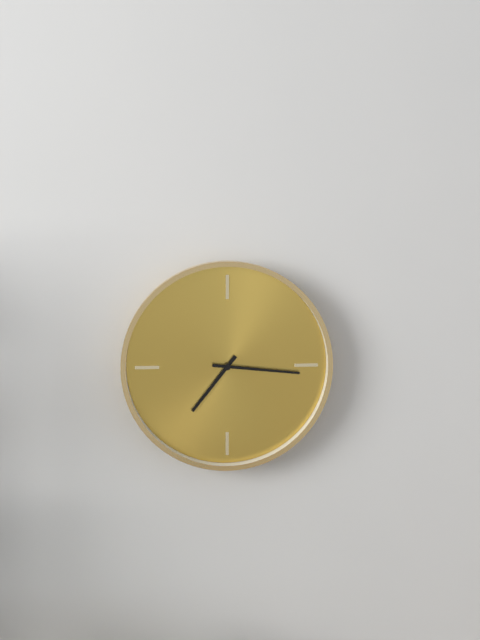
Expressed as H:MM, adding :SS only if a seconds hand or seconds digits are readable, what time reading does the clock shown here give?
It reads 7:16
